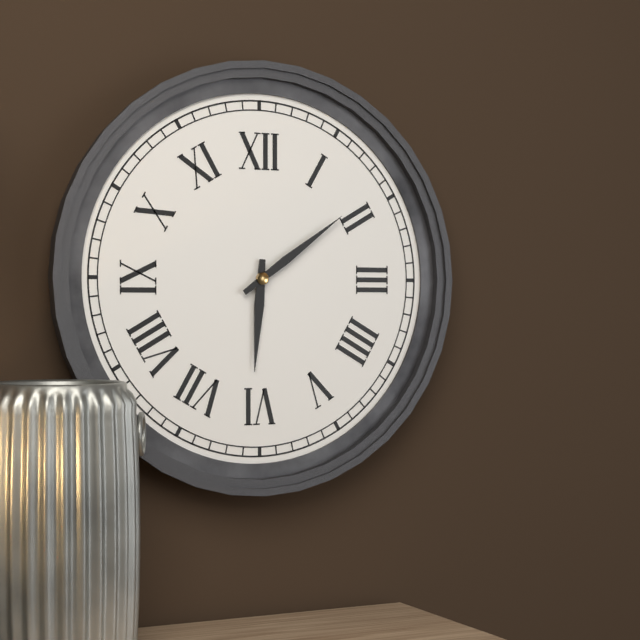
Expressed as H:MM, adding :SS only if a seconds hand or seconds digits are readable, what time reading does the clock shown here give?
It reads 6:09
